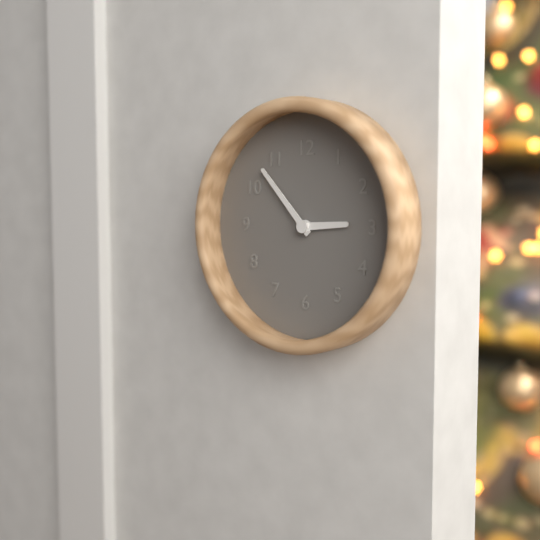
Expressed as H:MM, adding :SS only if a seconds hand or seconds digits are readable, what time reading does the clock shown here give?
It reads 2:53
